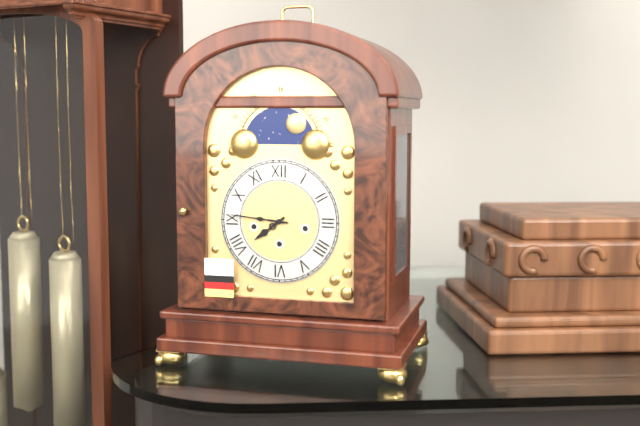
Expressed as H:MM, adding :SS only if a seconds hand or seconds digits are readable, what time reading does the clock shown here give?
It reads 7:46
